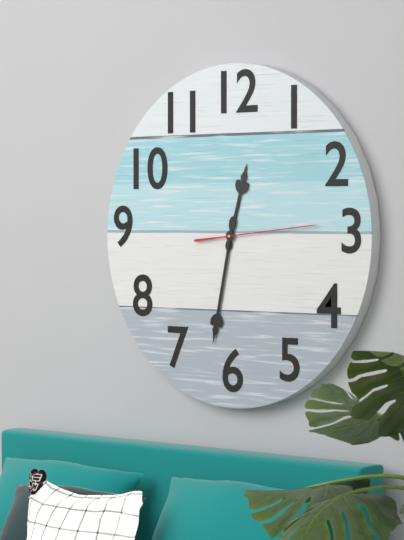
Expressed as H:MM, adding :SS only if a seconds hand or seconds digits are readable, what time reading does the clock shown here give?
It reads 12:32:14
